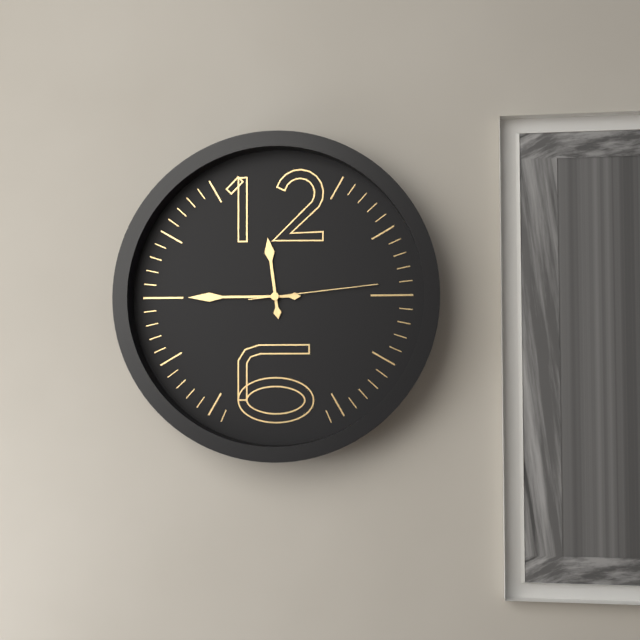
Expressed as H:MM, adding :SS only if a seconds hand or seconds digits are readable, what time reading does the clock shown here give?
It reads 11:45:14
